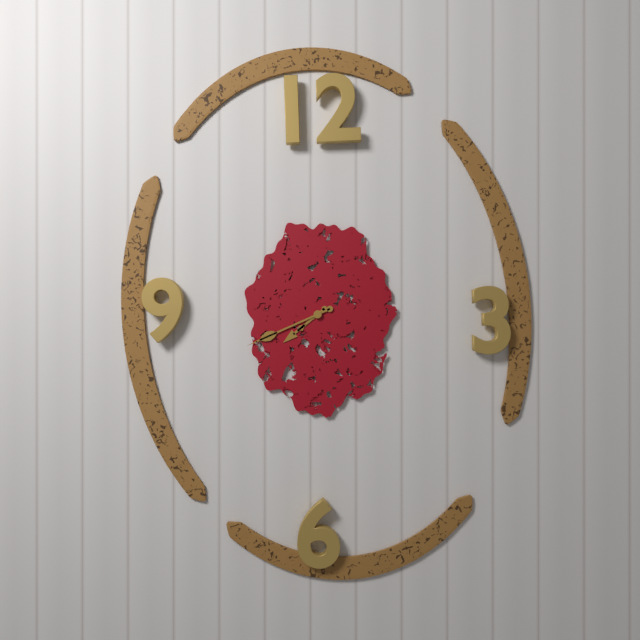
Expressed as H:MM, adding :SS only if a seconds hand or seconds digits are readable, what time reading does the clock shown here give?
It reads 7:41
